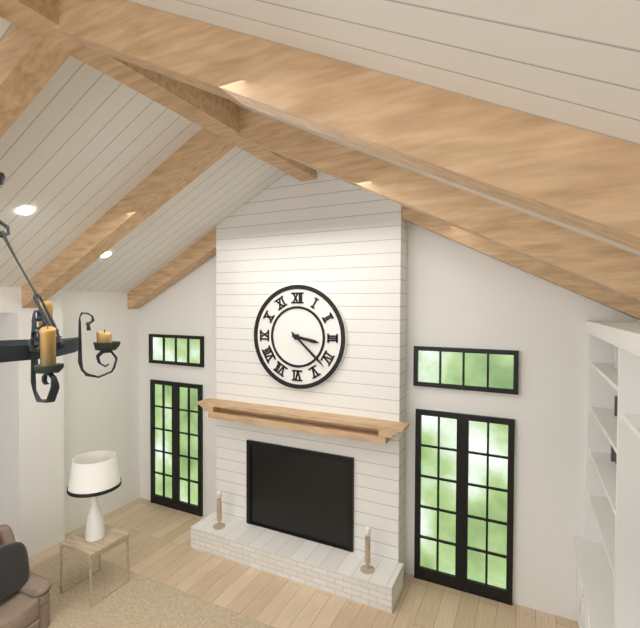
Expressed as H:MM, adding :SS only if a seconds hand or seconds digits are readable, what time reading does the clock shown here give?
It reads 3:22
